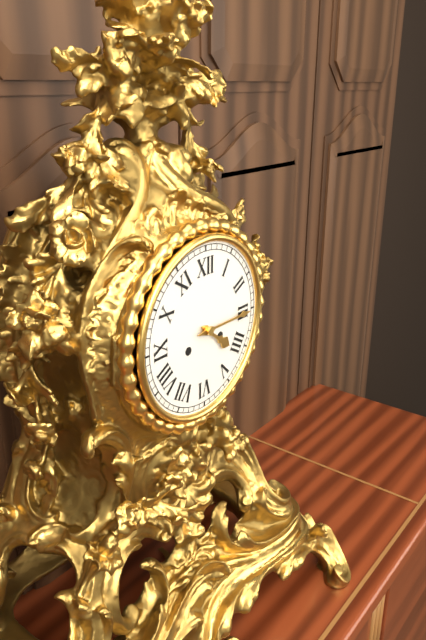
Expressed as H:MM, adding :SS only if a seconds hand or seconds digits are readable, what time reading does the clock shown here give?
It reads 4:15
